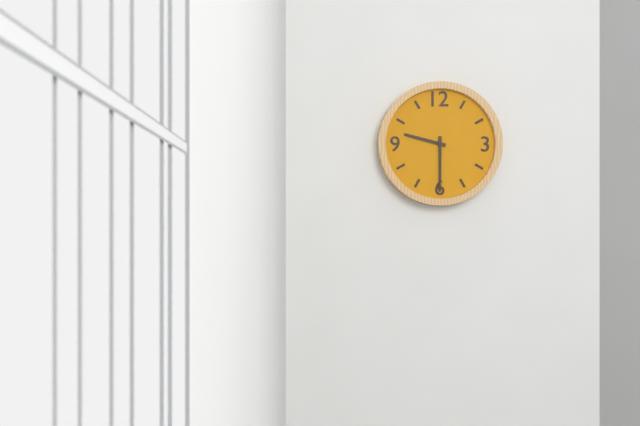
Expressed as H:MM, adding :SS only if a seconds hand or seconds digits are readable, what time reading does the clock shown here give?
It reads 9:30
